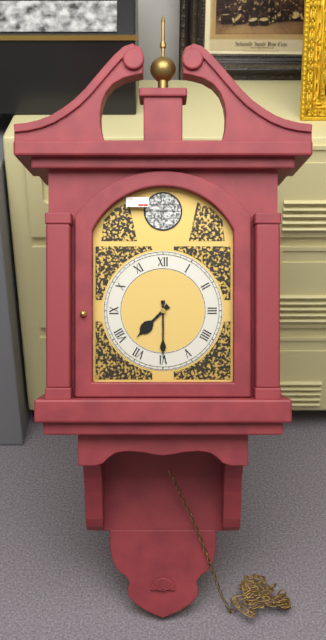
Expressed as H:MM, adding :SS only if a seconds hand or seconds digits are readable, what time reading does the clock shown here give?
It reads 7:30
